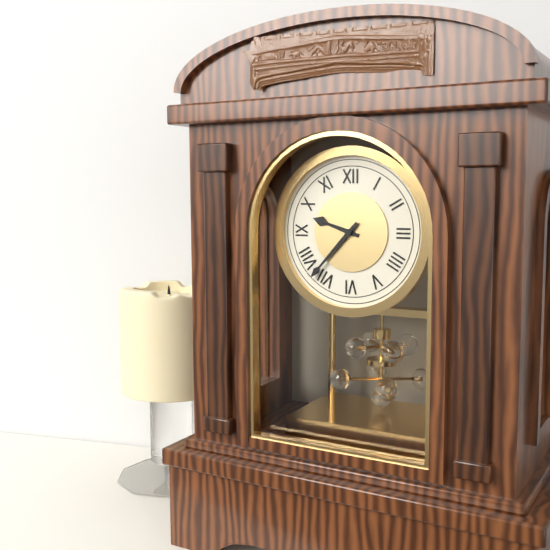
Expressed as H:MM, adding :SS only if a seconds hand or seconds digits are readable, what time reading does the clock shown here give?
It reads 9:37
